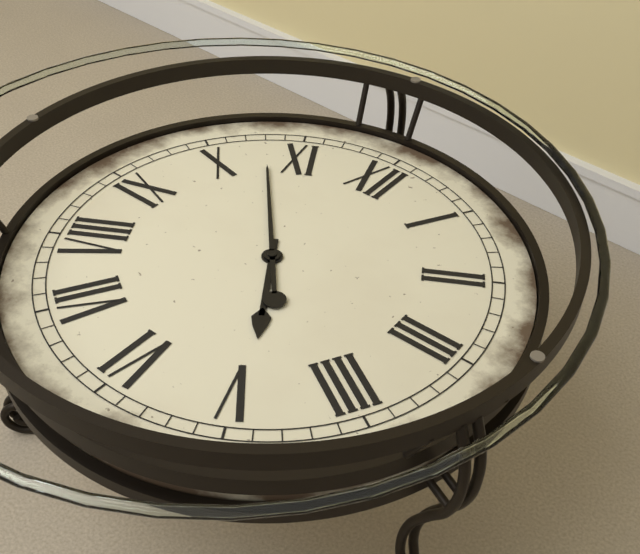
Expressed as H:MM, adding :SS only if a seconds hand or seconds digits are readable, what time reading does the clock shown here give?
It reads 4:53
